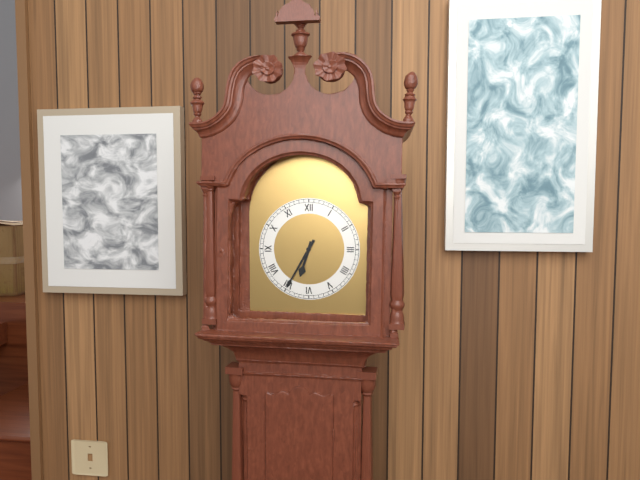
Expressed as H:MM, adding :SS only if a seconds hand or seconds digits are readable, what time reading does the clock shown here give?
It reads 6:35
